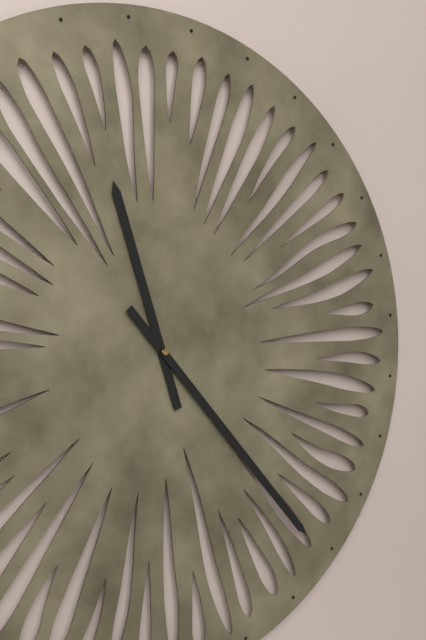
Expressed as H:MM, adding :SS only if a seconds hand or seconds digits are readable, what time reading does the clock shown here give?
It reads 11:23
